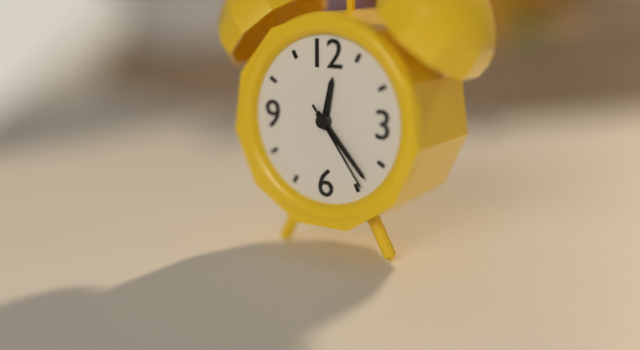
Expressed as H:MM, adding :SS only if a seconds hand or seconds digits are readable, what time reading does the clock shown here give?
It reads 12:23:24
